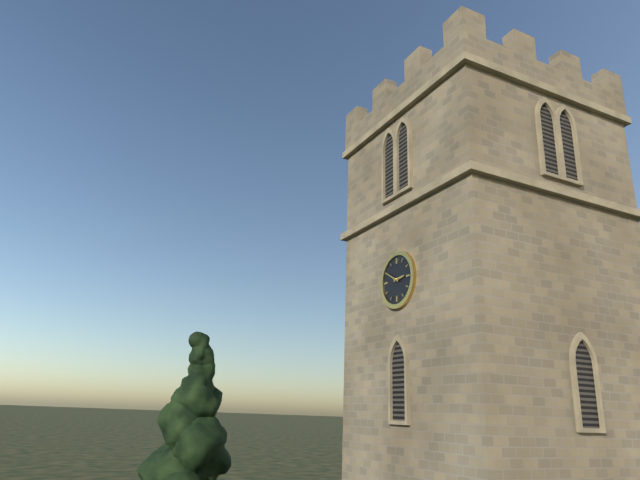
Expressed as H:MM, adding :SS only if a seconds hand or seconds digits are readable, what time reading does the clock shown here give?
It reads 2:50
